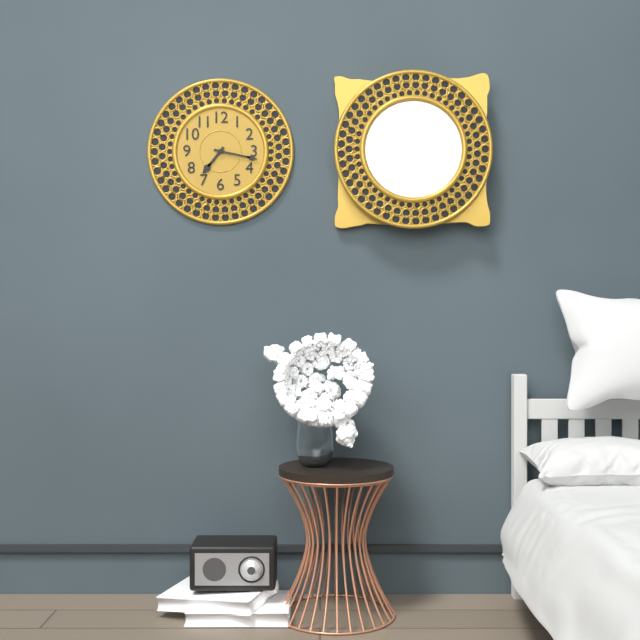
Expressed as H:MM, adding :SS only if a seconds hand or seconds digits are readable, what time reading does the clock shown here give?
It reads 7:17
